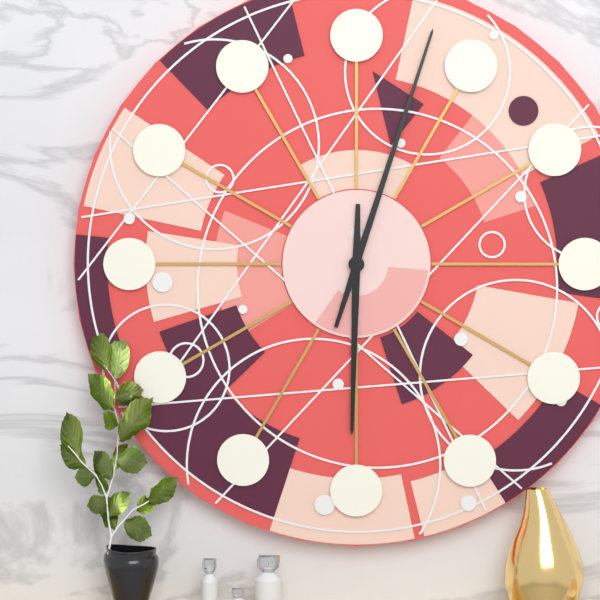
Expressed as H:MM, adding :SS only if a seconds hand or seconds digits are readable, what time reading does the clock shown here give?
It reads 6:03
